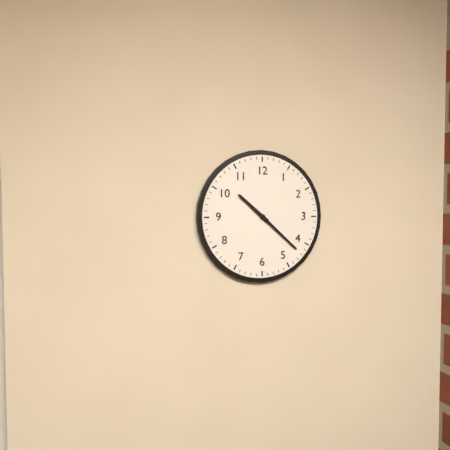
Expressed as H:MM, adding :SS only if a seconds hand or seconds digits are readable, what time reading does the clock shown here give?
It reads 10:22
